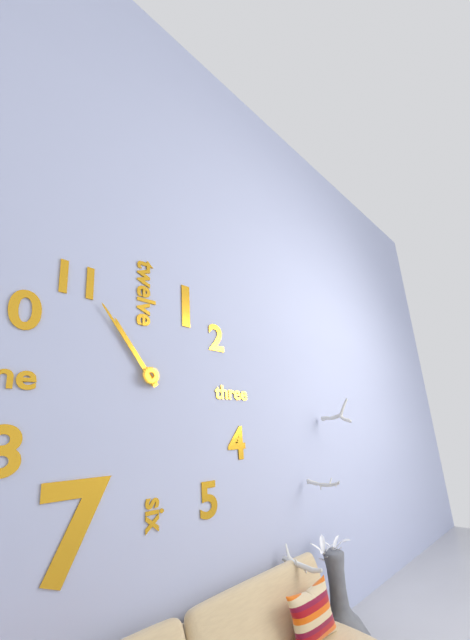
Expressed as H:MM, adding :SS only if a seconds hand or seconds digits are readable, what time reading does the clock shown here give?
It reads 10:54
